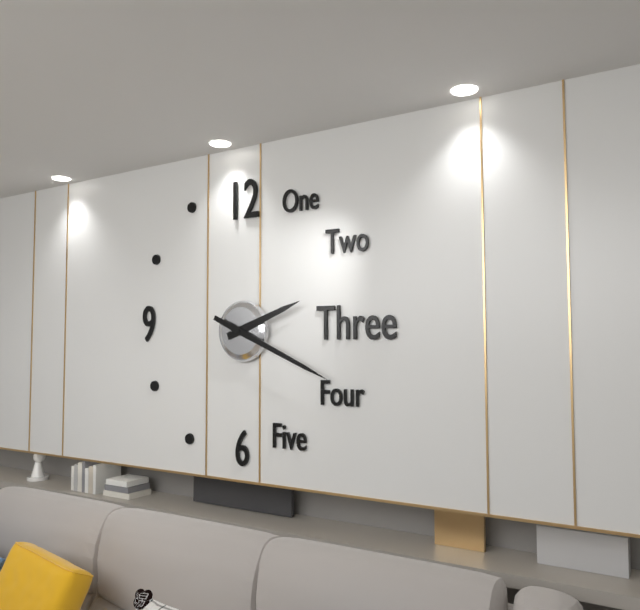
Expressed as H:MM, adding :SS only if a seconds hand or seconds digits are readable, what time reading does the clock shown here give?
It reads 2:19
